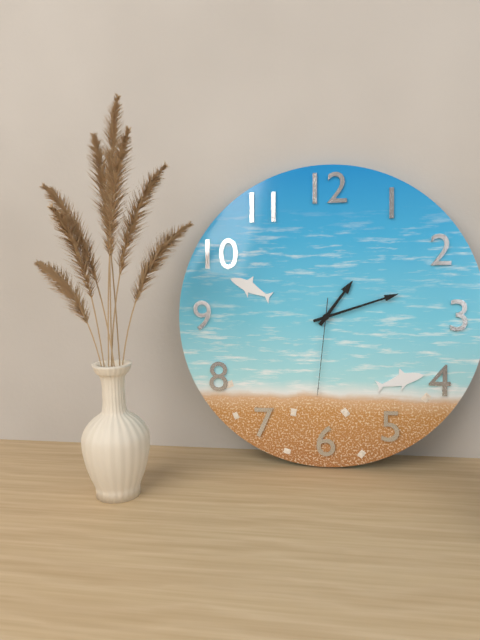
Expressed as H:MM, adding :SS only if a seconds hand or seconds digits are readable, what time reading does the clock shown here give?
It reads 1:12:31
